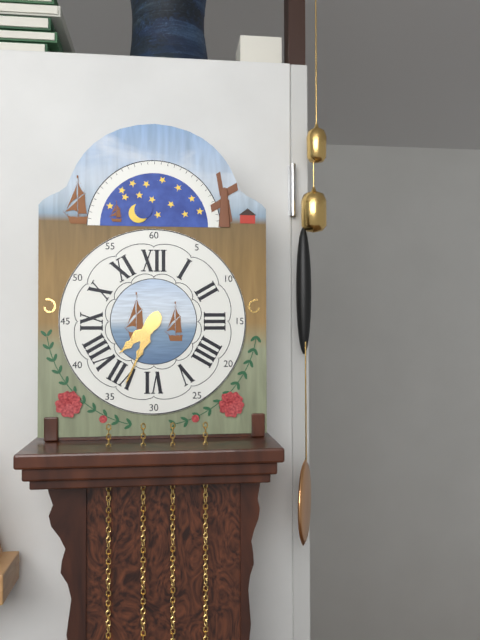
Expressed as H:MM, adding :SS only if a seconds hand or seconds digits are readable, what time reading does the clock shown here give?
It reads 7:34
